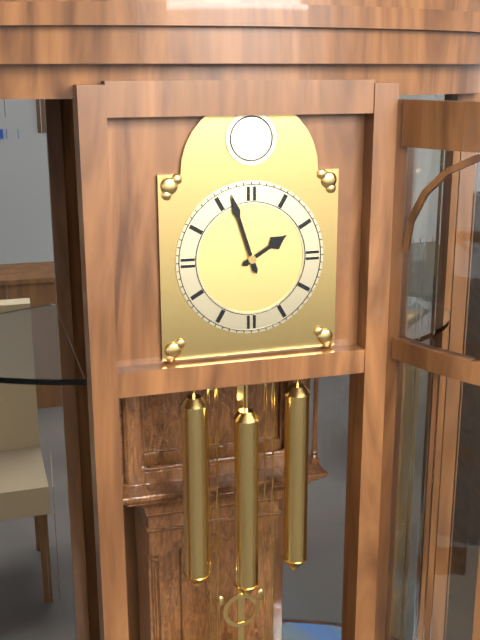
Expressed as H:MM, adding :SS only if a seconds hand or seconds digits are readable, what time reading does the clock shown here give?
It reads 1:57
